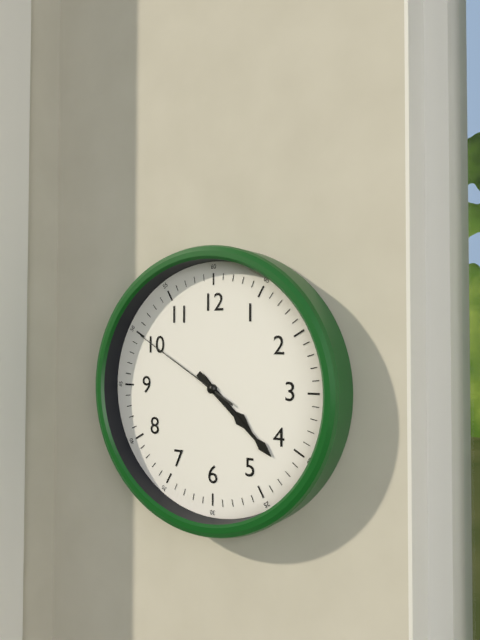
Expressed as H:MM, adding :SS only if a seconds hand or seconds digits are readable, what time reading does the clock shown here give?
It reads 4:22:50
